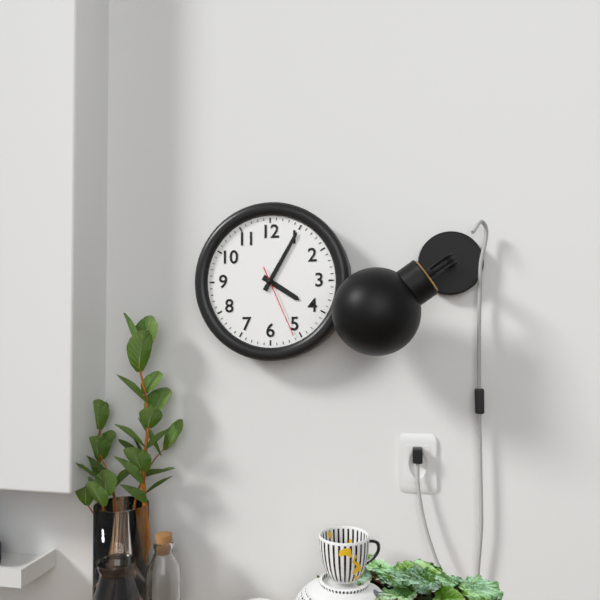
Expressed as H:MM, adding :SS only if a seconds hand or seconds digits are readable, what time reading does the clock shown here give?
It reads 4:05:26
